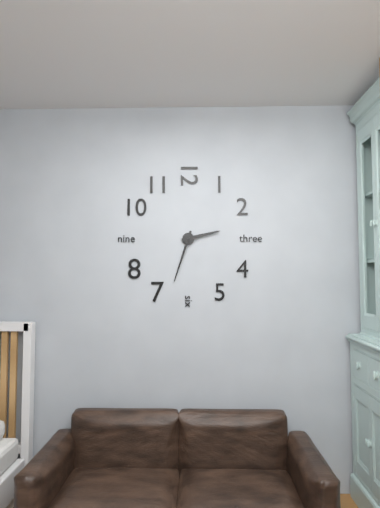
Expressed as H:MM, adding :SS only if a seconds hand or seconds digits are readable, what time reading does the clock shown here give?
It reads 2:33
